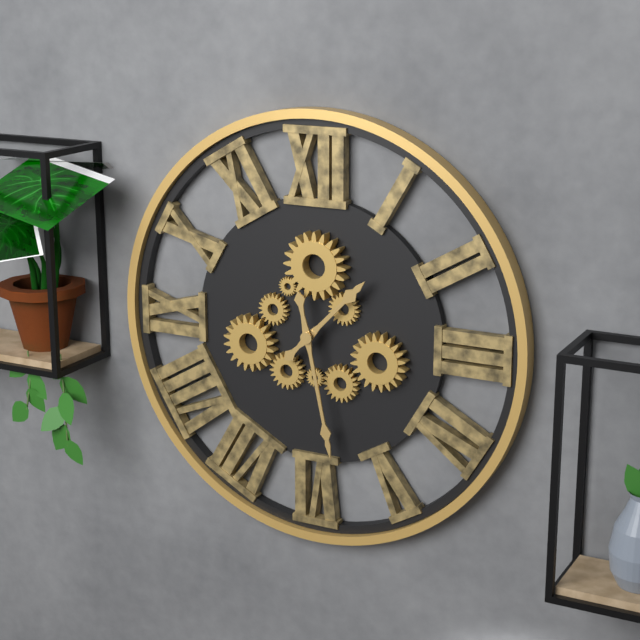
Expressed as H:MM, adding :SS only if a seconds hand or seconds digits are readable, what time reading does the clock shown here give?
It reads 1:28
